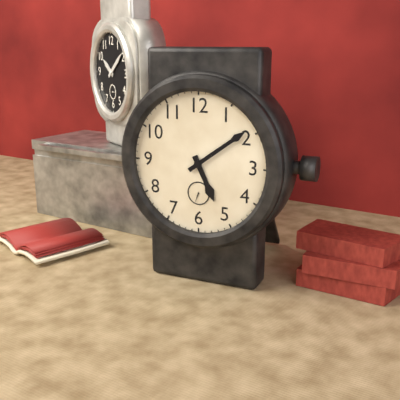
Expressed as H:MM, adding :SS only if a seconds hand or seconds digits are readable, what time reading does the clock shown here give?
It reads 5:09
